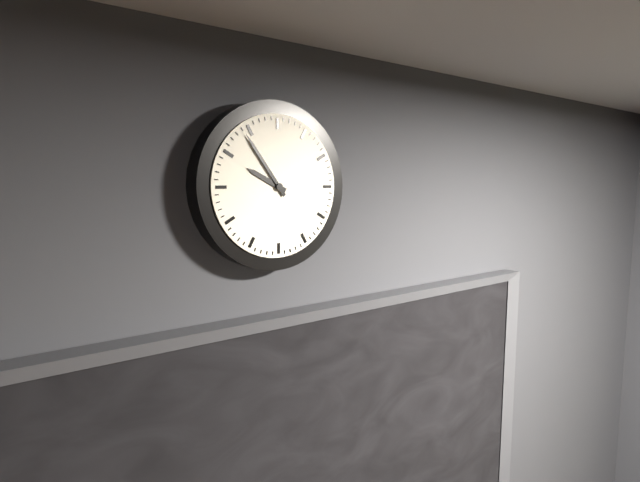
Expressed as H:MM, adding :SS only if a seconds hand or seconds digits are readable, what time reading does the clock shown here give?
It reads 9:54
